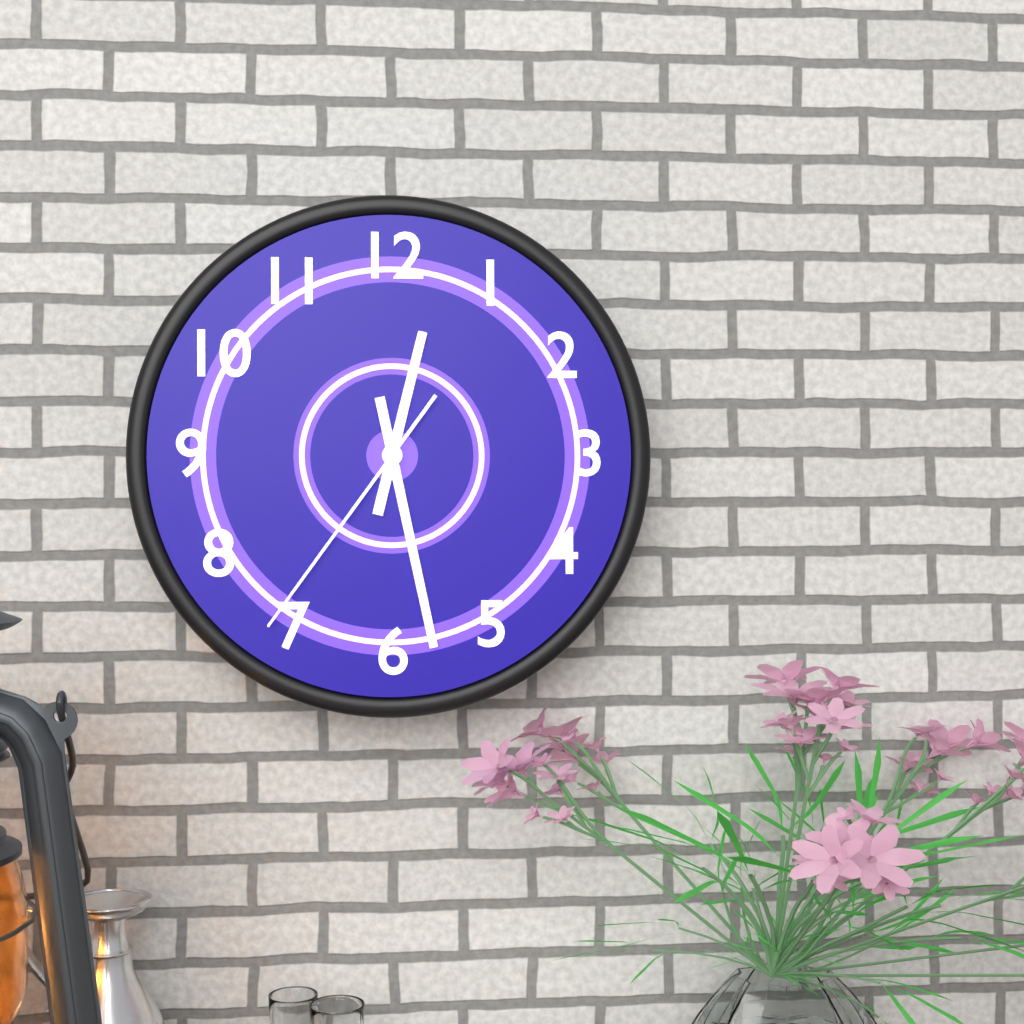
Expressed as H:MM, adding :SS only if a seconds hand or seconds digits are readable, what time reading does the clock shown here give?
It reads 12:28:36
